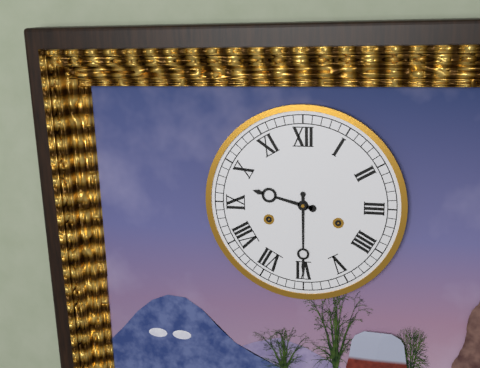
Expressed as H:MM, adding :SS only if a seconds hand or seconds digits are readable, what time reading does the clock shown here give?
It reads 9:30
